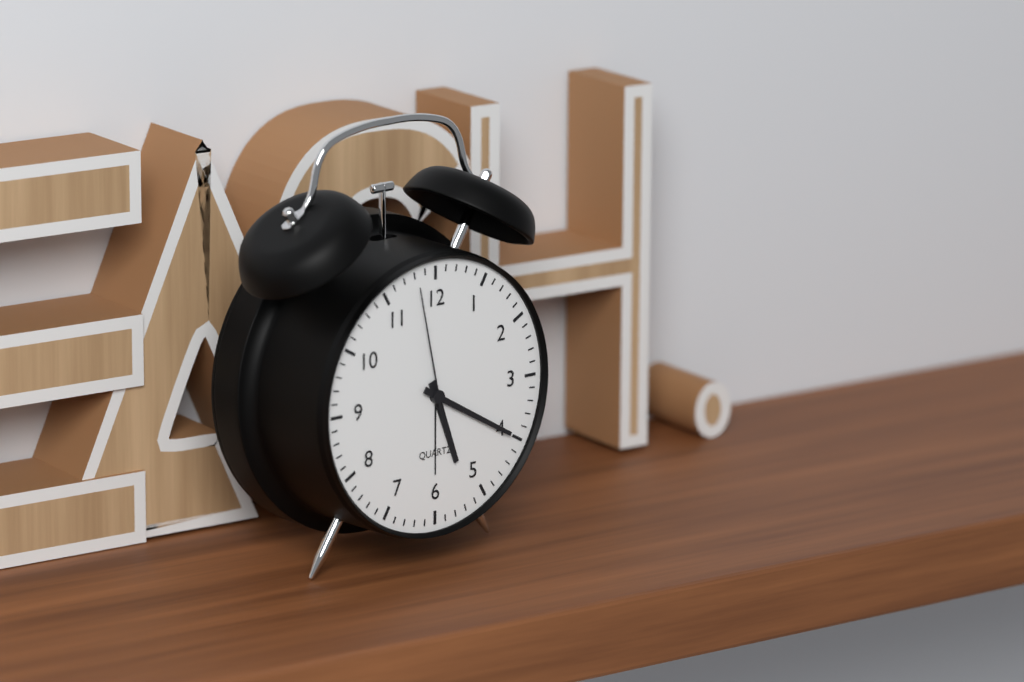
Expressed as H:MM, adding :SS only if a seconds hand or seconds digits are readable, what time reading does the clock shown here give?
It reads 5:20:58
